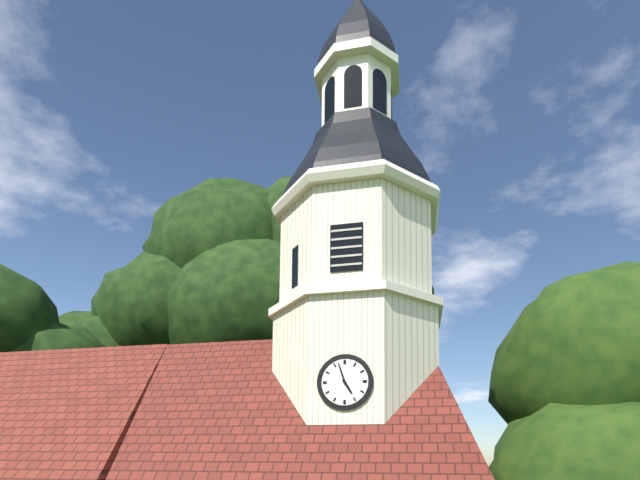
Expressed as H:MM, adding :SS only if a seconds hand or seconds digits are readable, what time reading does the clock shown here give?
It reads 4:57
